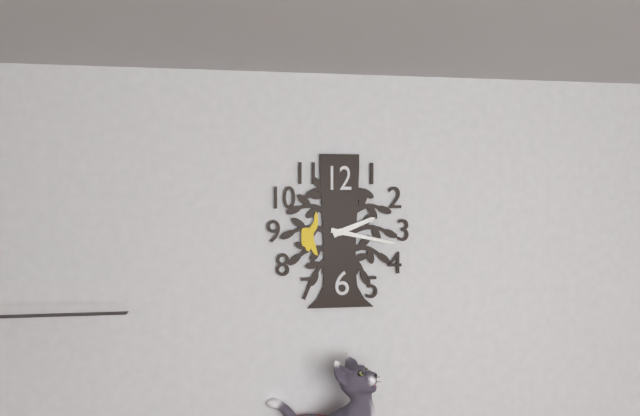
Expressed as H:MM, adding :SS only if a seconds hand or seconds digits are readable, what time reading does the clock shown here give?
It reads 2:17
